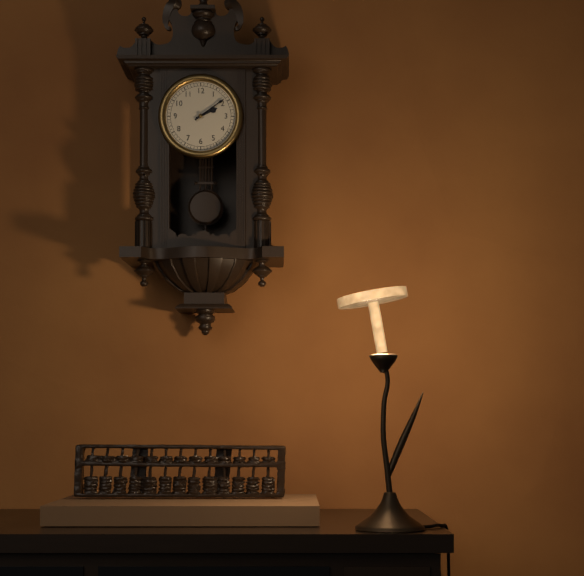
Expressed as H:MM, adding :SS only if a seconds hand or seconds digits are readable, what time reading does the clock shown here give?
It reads 2:09
